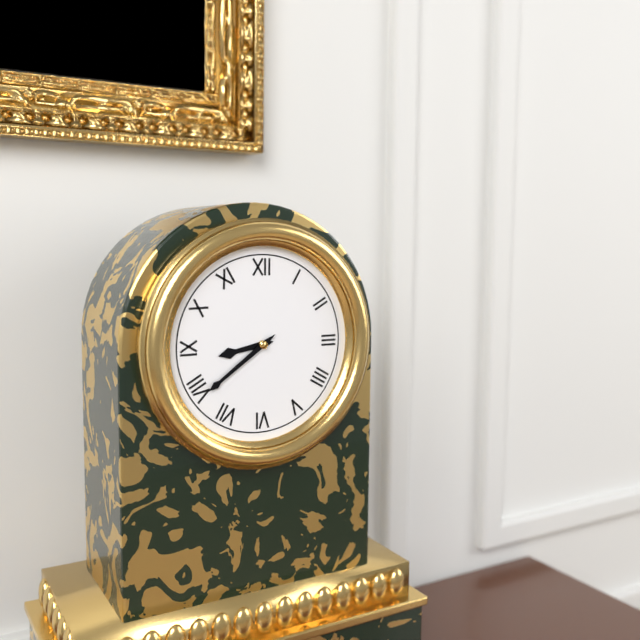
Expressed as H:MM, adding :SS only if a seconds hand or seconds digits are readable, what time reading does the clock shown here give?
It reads 8:39
